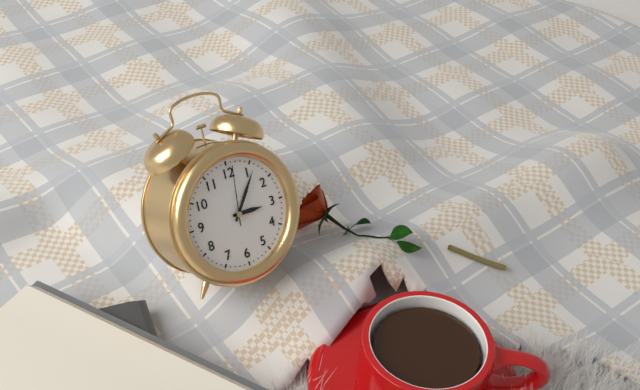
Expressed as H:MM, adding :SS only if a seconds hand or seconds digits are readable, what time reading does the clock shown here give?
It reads 3:06:01
